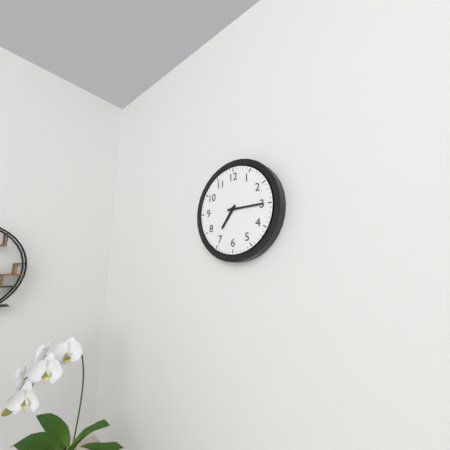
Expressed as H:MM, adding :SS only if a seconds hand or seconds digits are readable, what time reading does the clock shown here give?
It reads 7:15
